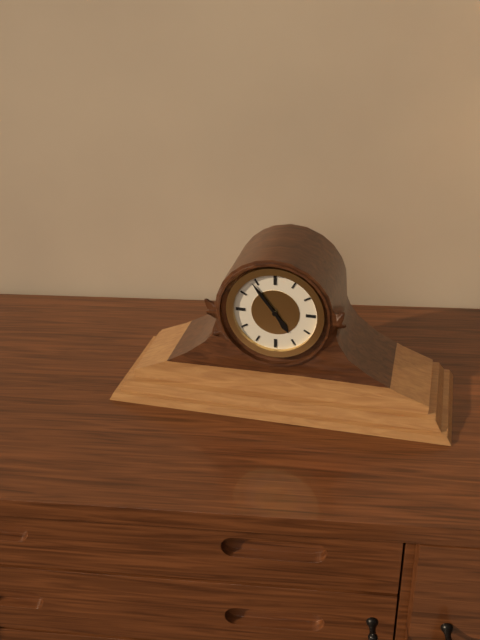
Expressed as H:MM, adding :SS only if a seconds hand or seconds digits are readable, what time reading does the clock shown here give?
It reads 4:54
